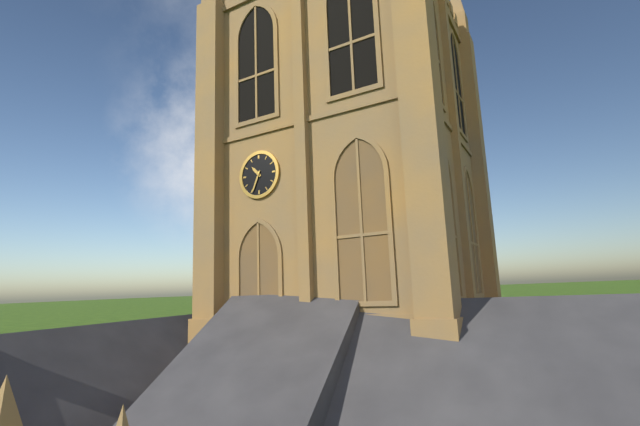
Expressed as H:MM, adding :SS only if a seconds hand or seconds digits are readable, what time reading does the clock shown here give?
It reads 10:34
